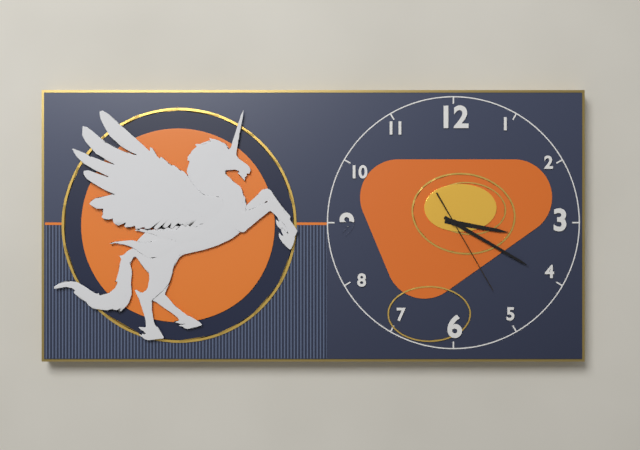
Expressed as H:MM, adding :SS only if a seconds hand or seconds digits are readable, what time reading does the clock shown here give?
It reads 3:20:25
